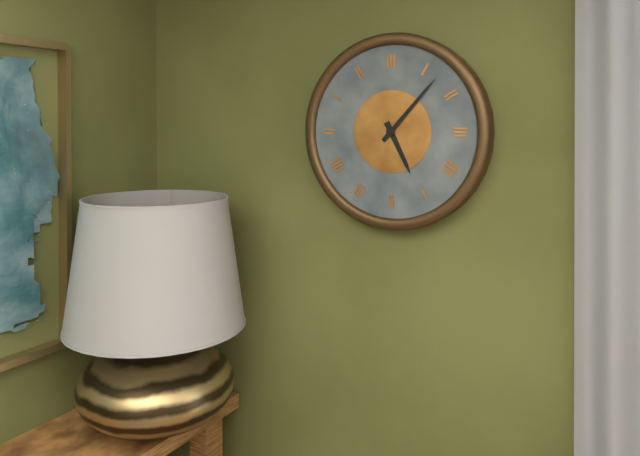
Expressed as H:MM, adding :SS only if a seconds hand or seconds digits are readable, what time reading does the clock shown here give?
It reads 5:07
